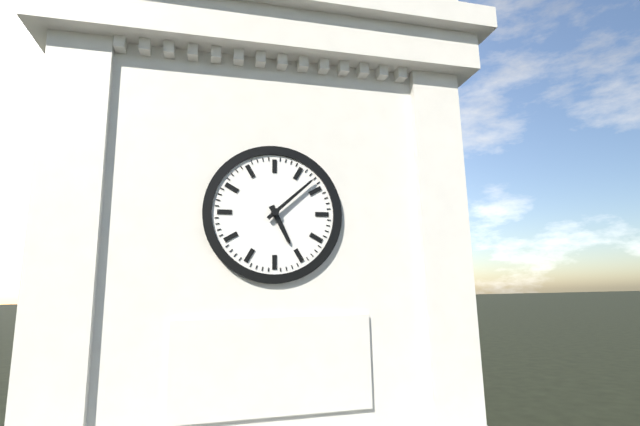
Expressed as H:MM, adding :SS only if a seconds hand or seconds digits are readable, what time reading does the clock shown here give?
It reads 5:08
